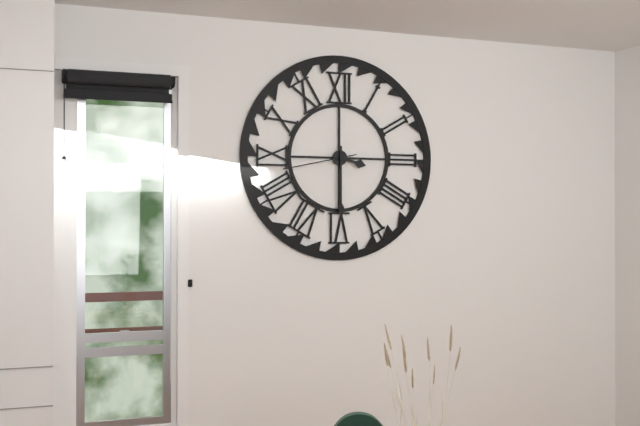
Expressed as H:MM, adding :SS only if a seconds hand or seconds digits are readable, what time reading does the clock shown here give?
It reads 3:30:43
